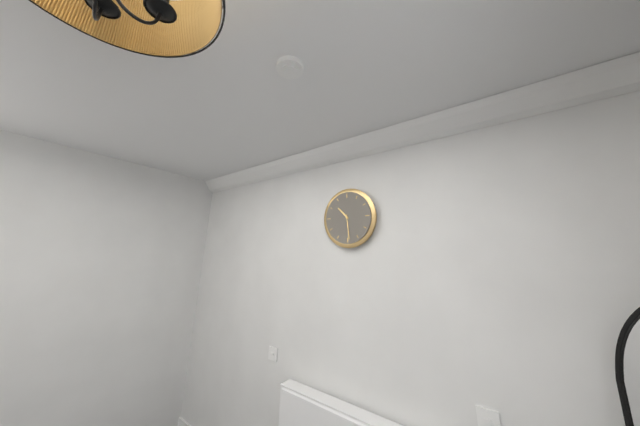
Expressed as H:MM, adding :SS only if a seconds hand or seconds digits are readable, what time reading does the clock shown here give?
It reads 10:29
